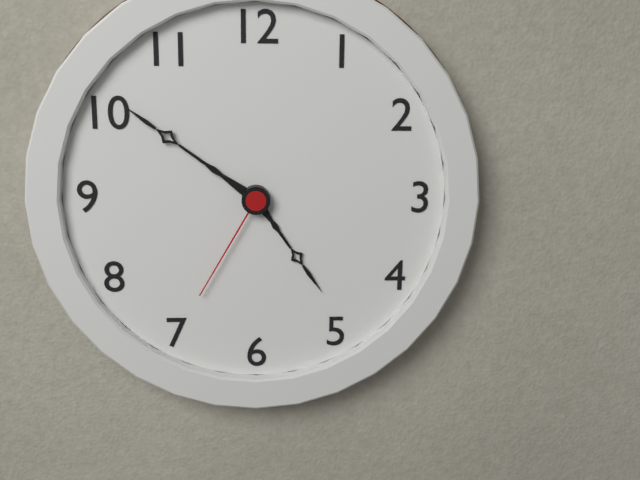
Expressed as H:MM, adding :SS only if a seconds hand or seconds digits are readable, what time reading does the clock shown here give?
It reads 4:51:35
